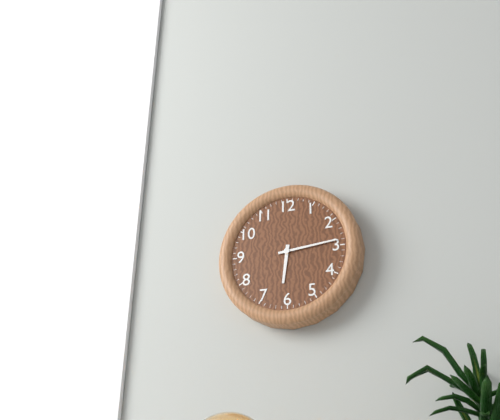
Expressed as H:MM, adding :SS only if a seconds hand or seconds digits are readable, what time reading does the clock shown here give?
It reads 6:14
